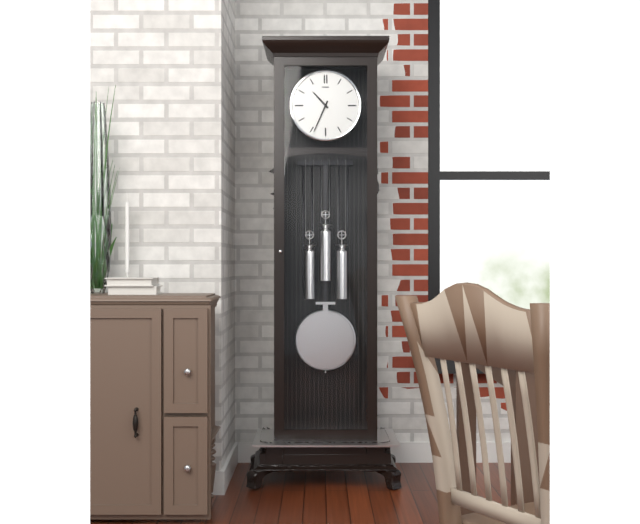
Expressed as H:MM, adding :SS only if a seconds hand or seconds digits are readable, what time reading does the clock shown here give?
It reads 10:34
